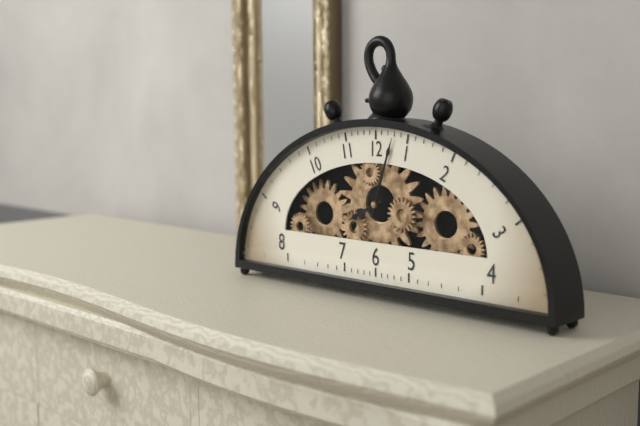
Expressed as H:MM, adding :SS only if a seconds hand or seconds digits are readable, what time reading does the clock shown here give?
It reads 8:03
